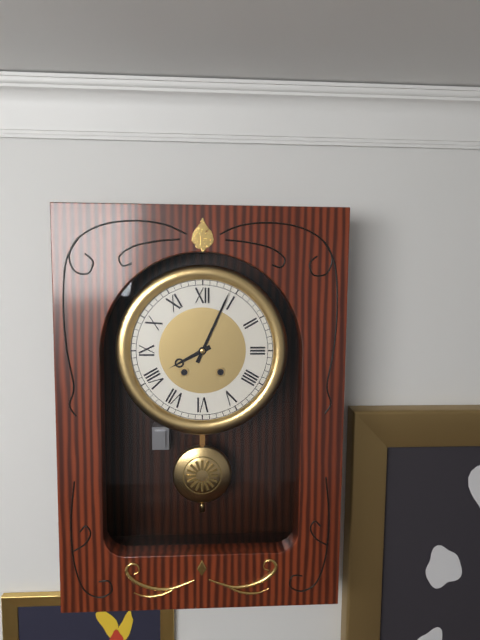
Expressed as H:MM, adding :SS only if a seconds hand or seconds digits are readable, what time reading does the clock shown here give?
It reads 8:04
